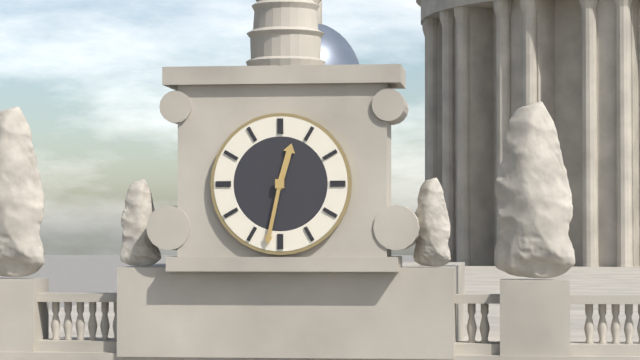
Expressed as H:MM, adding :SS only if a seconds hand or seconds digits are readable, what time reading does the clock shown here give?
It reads 12:32
